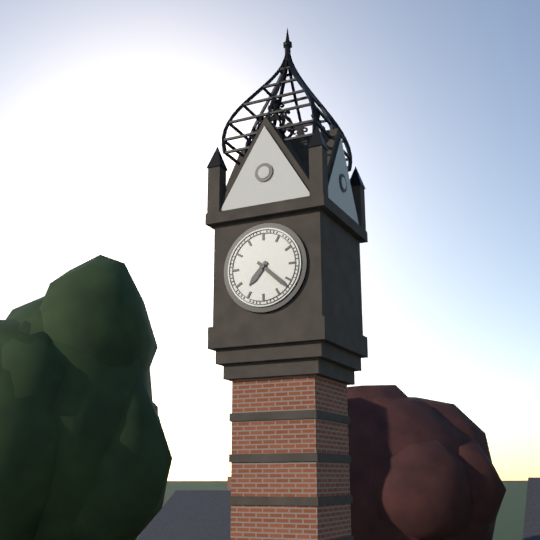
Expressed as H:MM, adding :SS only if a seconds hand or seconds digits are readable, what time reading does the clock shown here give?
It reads 7:22
